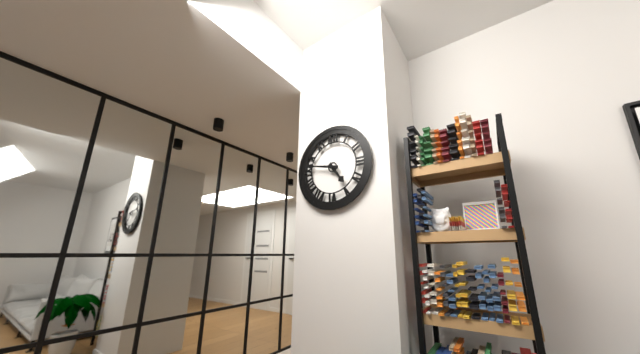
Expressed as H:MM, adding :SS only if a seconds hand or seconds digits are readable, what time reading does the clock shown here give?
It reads 4:47
